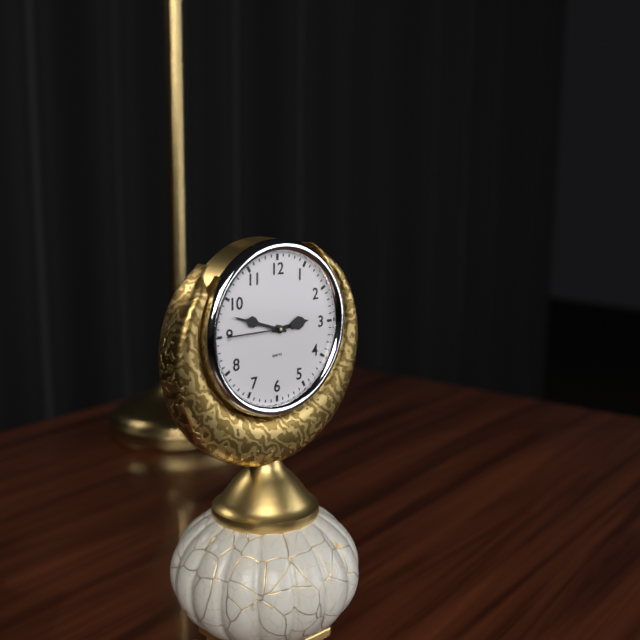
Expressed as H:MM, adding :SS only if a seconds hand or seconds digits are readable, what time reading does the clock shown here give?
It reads 2:48:45
